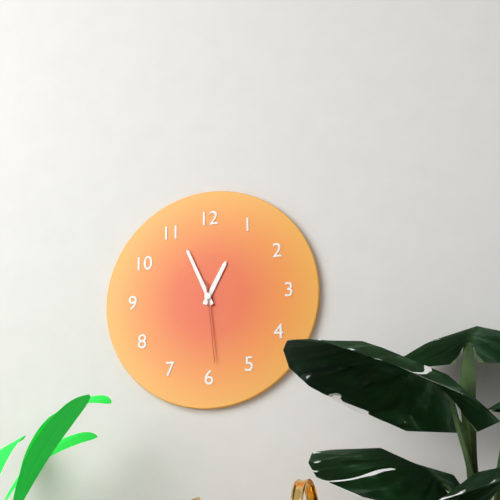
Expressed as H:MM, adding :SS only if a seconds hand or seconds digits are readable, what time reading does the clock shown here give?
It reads 12:56:29
